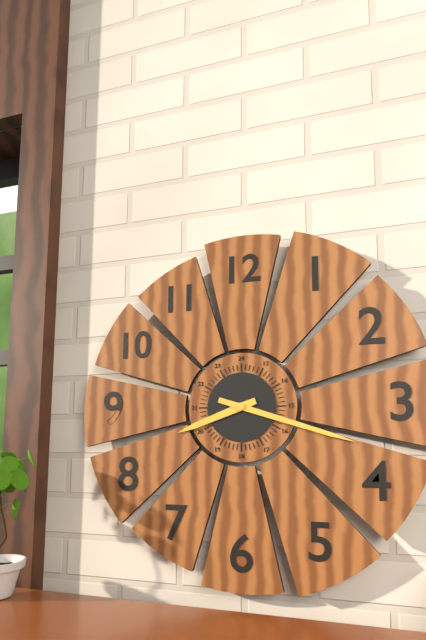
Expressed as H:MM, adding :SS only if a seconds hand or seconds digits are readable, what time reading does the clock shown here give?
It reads 8:18
